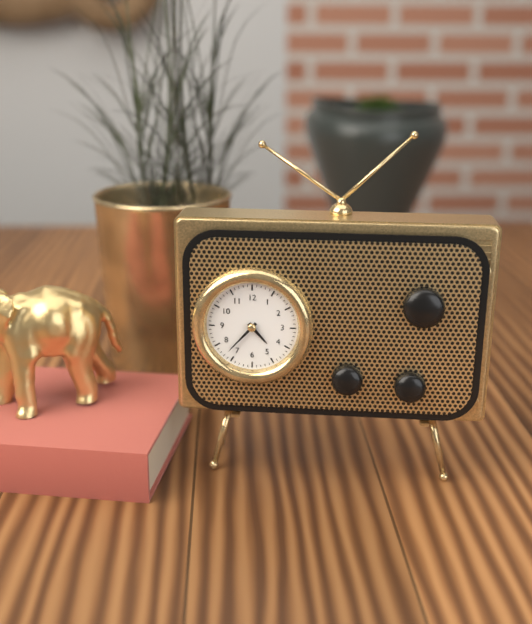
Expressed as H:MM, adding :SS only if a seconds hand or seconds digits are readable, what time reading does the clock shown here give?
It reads 4:37
